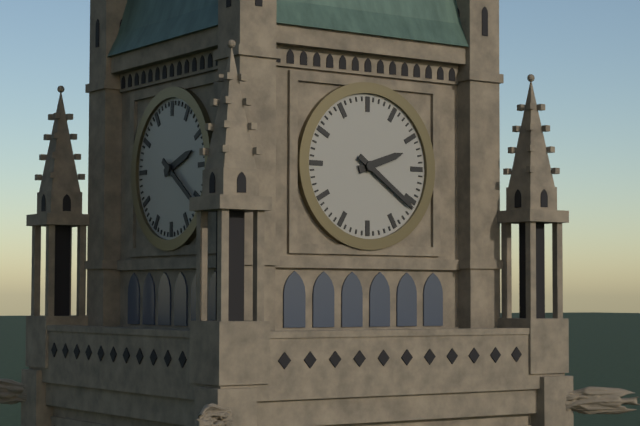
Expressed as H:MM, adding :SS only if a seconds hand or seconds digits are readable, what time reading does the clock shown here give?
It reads 2:21
